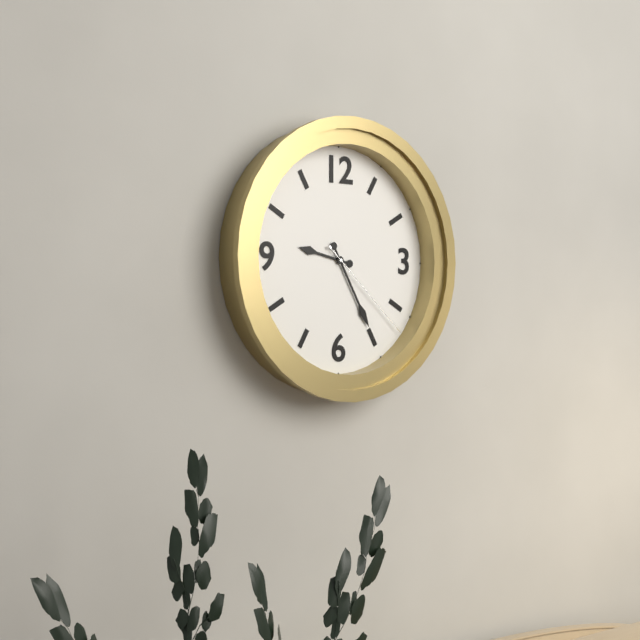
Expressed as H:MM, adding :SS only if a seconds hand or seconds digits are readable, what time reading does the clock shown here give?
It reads 9:25:22
